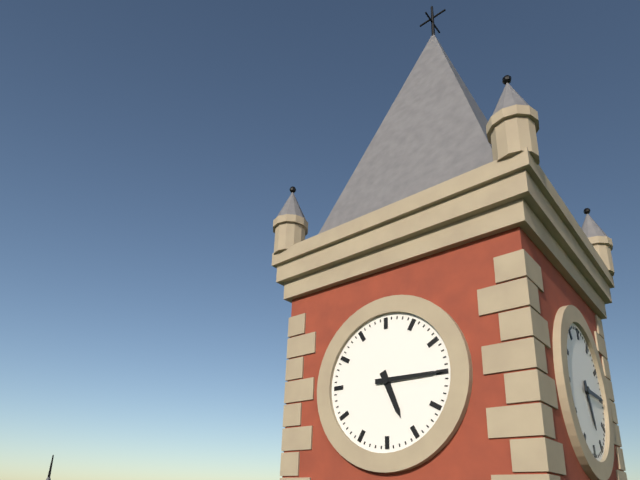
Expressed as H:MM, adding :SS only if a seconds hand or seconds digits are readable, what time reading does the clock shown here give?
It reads 5:15
